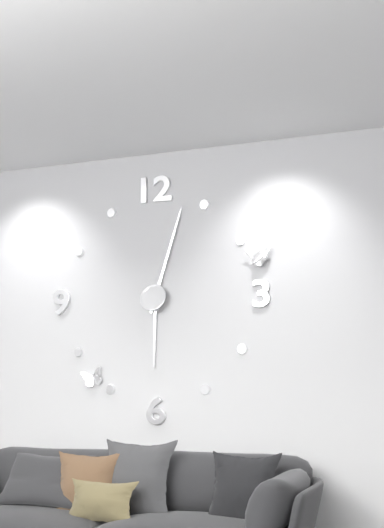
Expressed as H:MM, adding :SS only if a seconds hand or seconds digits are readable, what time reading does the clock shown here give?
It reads 6:03
